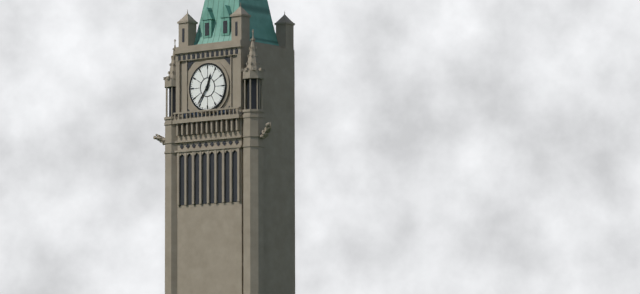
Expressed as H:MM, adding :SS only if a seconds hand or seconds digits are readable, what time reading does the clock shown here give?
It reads 12:36
